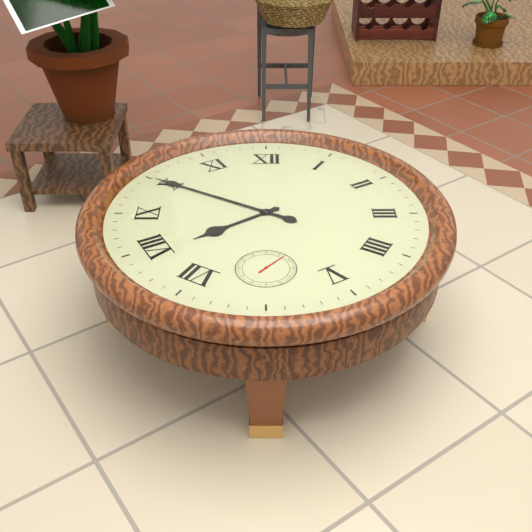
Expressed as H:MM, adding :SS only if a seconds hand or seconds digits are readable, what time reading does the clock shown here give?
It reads 7:50
